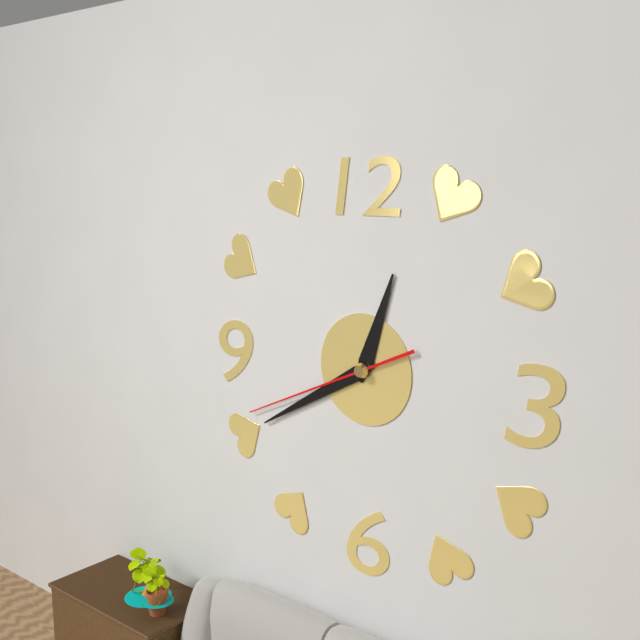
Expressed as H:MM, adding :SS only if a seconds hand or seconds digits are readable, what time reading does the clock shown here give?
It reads 12:40:41
